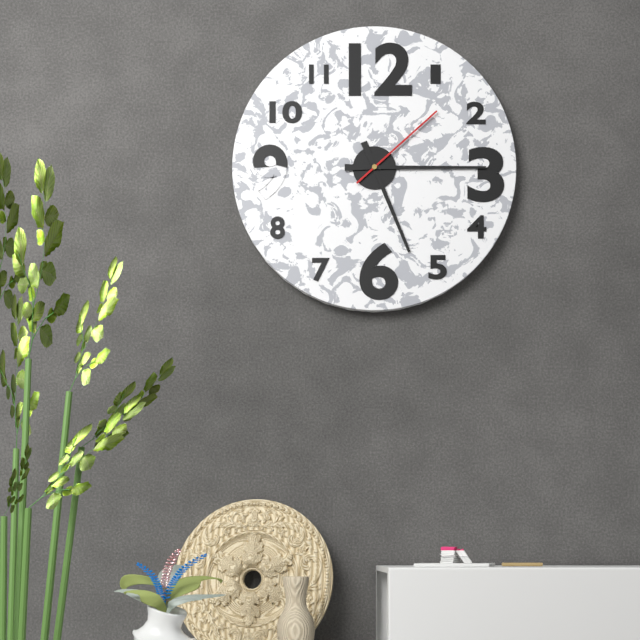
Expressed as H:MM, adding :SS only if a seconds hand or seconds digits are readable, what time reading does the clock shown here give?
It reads 5:15:08
